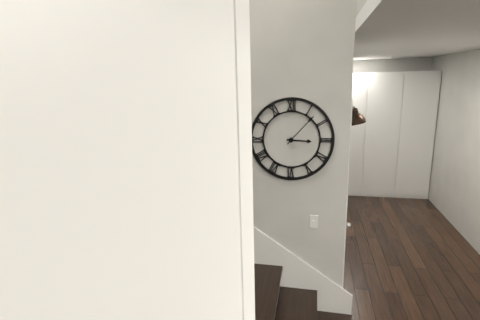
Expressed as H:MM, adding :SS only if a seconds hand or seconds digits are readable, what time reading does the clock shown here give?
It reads 3:07
